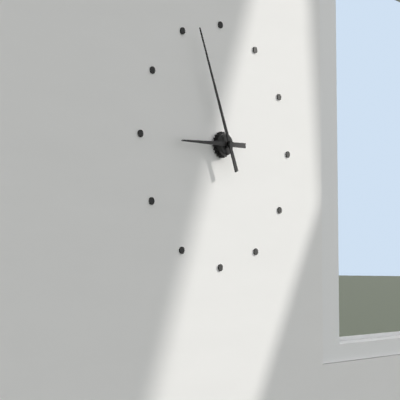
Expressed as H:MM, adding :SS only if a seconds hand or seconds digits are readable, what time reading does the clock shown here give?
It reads 8:56
